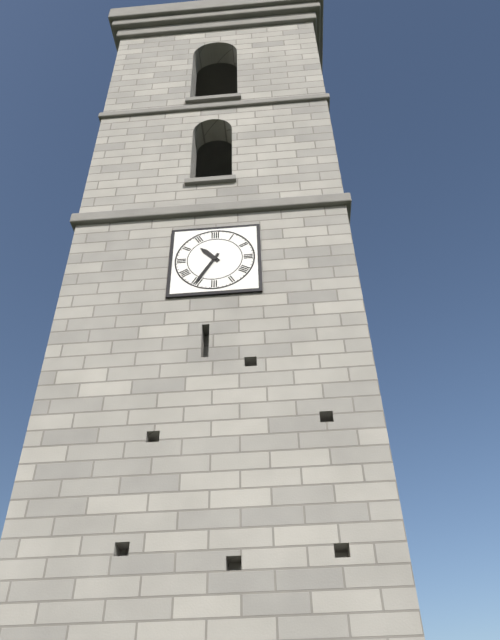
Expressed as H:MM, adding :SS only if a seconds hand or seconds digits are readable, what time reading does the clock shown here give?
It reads 10:35
